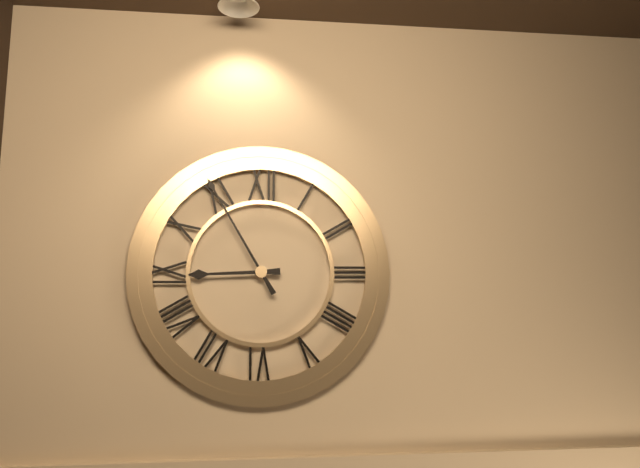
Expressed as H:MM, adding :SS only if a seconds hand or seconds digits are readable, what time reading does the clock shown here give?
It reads 8:55
